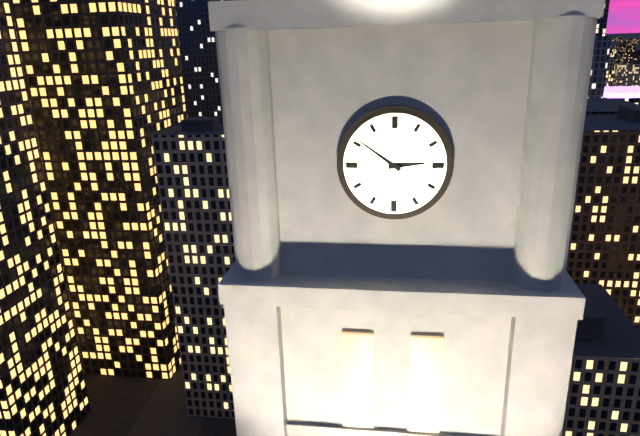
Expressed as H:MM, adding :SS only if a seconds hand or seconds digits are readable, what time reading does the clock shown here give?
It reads 2:51
